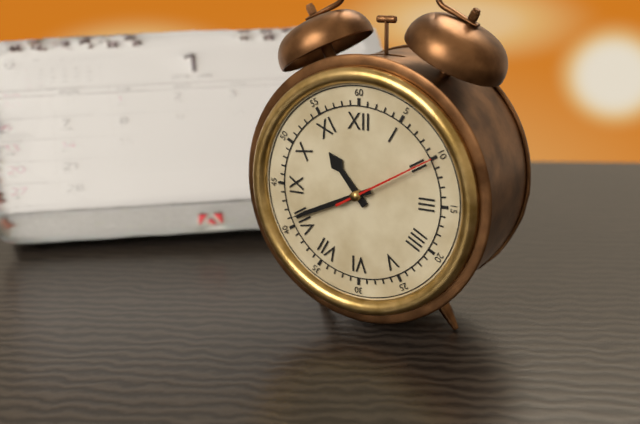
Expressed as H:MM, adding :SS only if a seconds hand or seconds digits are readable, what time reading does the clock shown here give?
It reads 10:41:10
